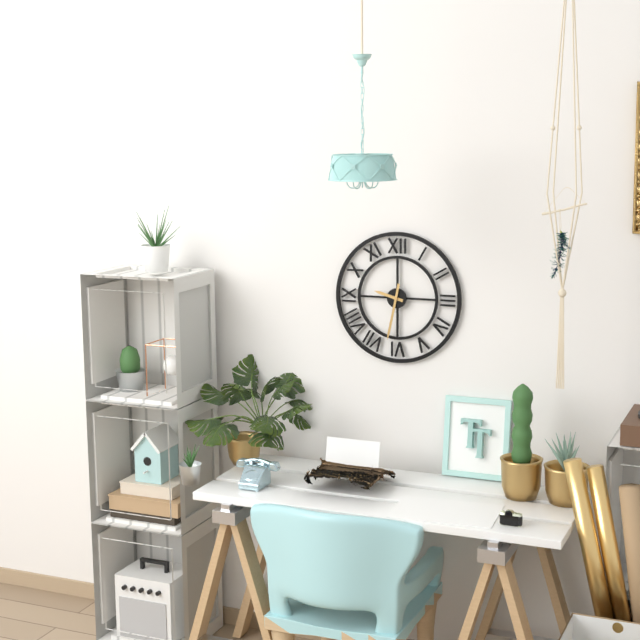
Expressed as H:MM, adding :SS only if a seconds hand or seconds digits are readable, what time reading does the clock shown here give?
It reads 9:32
